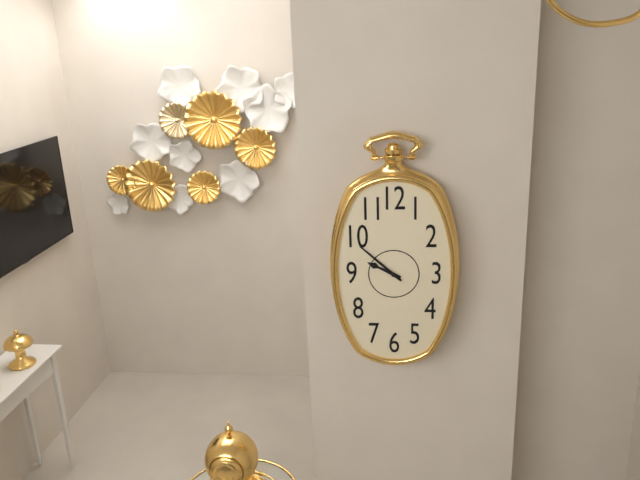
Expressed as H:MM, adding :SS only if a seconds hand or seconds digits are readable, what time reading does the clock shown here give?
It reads 9:52
